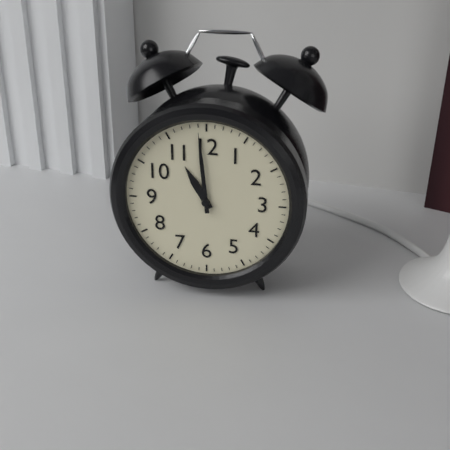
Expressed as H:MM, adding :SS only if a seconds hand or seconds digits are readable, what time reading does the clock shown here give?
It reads 10:59
